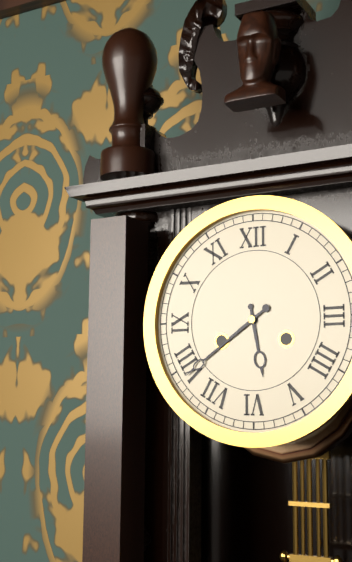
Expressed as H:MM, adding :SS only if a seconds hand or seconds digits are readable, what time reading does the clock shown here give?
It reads 5:39
